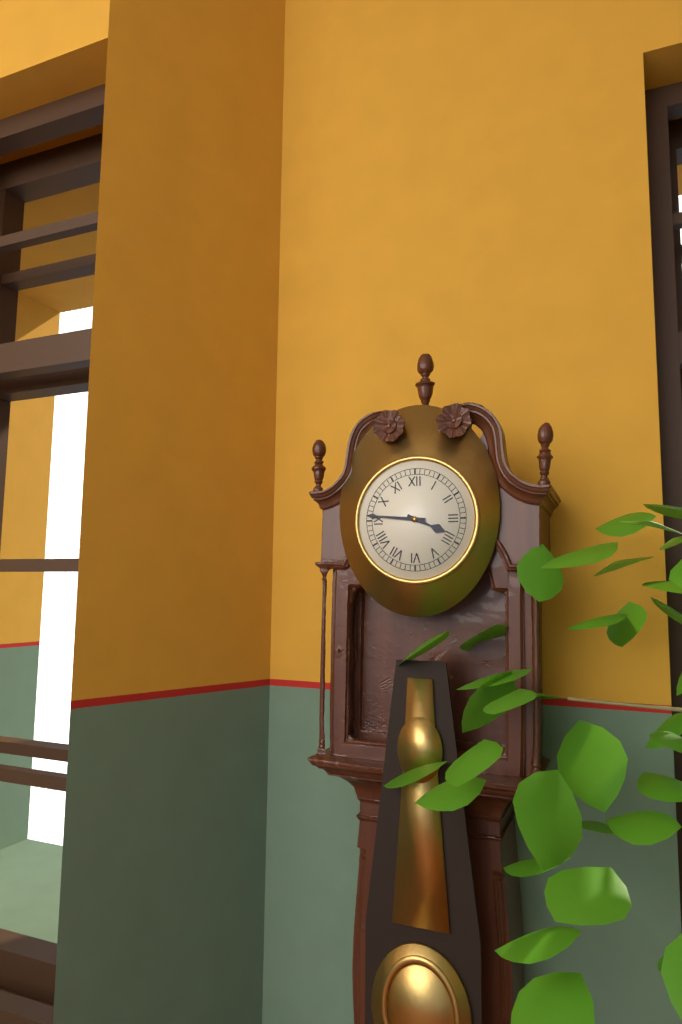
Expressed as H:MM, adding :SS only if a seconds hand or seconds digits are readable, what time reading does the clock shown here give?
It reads 3:46
